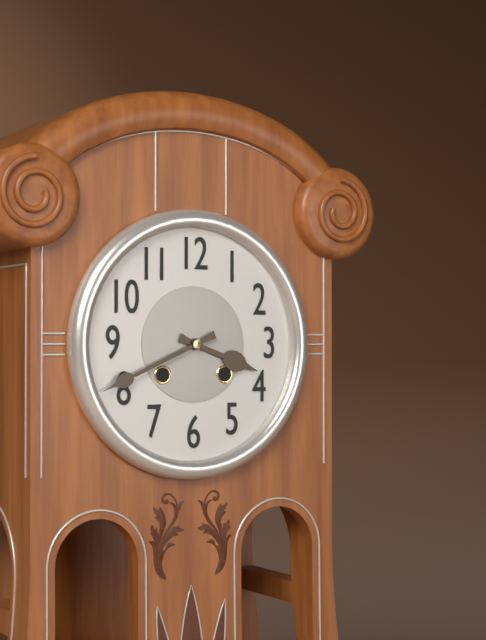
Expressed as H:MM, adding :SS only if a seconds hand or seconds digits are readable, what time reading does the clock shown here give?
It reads 3:41
